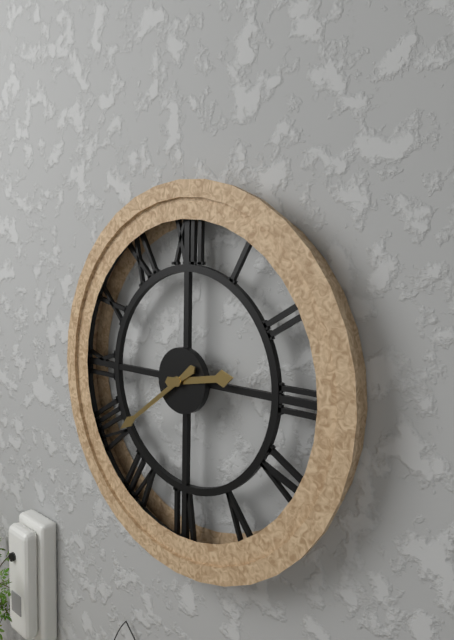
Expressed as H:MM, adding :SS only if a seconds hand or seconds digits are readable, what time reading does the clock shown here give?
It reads 2:39
